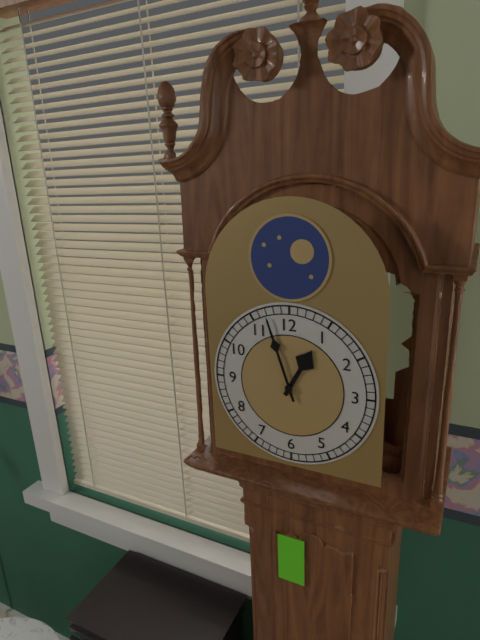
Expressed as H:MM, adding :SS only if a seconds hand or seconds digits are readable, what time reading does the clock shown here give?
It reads 12:57
